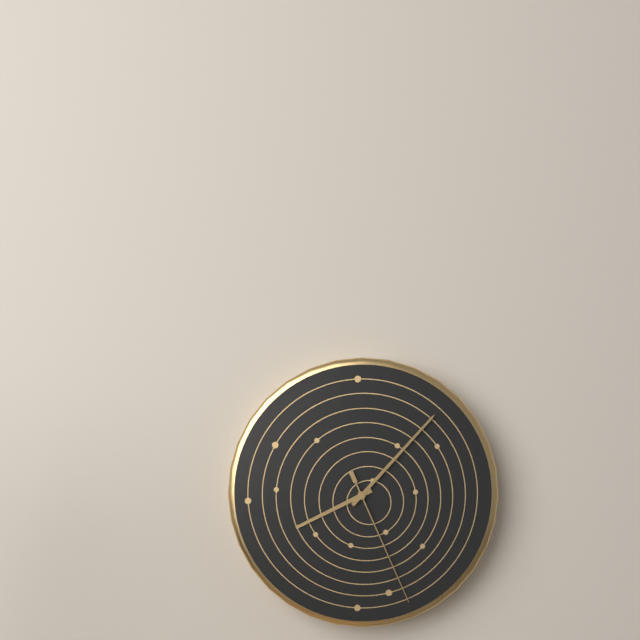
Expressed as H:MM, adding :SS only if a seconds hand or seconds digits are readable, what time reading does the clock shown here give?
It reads 8:07:26
